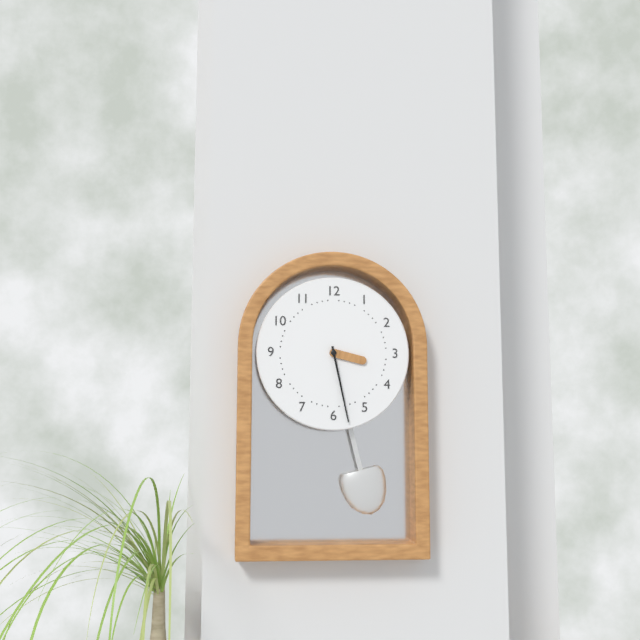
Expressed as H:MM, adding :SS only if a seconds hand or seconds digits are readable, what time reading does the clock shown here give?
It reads 3:28
